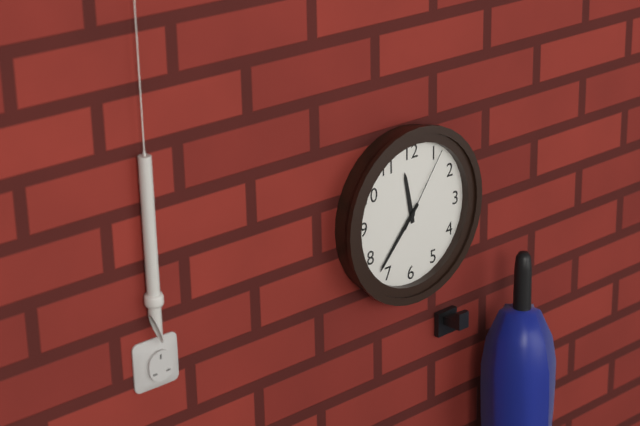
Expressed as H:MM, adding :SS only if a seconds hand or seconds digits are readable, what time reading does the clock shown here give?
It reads 11:37:06
